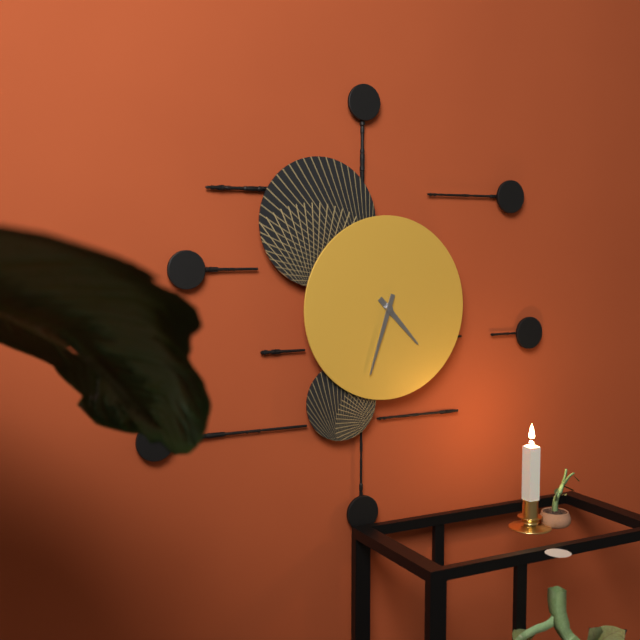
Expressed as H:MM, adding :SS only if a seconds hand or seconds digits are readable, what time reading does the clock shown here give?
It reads 4:33
